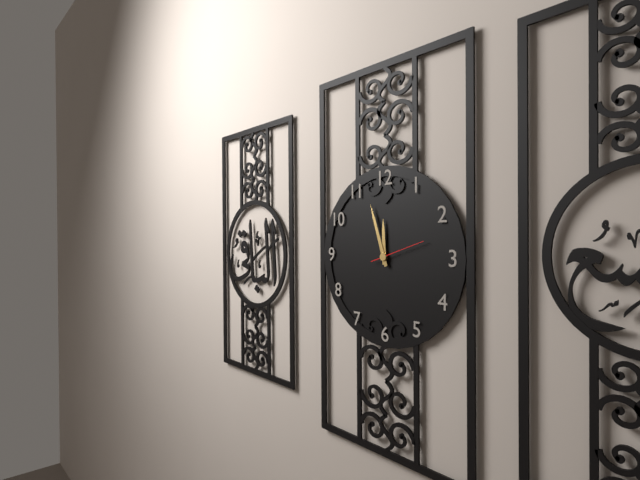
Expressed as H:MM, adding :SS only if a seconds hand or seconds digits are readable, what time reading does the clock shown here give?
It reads 11:57
